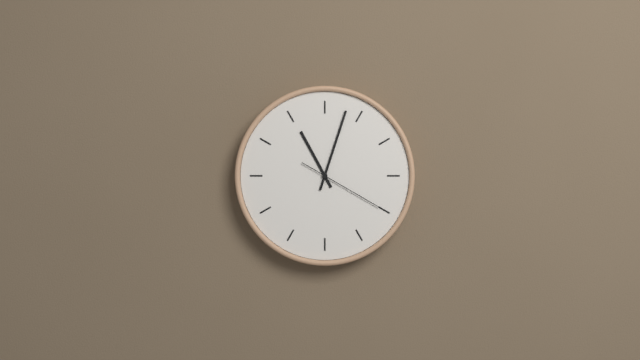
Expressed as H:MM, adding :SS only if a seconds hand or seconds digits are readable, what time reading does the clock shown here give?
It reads 11:03:20
